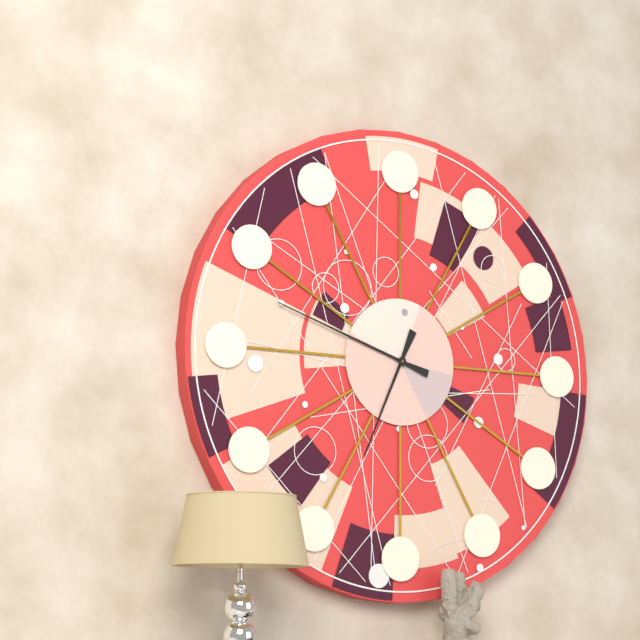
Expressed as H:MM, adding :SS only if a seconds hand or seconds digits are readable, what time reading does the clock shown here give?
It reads 6:48
